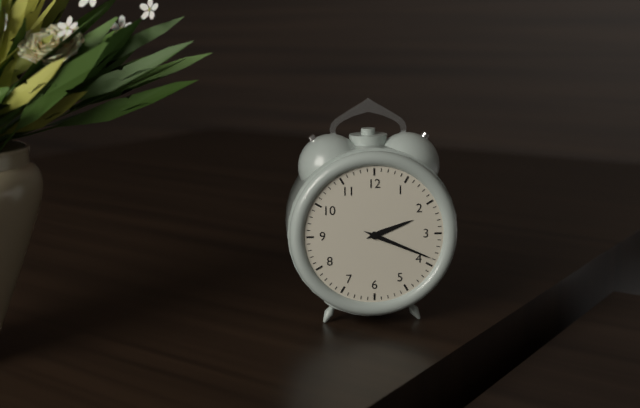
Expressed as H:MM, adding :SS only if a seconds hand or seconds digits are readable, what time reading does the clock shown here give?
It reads 2:19
